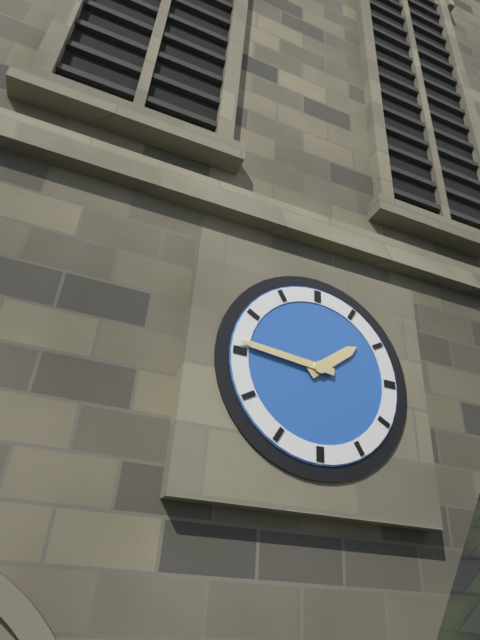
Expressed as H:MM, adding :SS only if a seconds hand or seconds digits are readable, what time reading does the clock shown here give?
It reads 1:46
